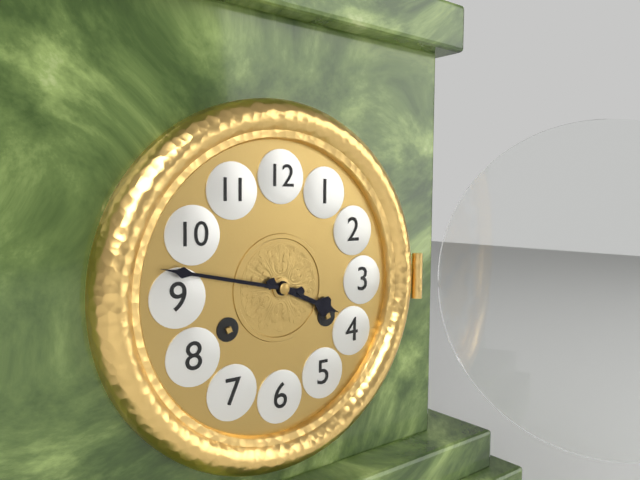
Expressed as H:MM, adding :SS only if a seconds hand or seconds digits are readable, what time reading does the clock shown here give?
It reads 3:47
